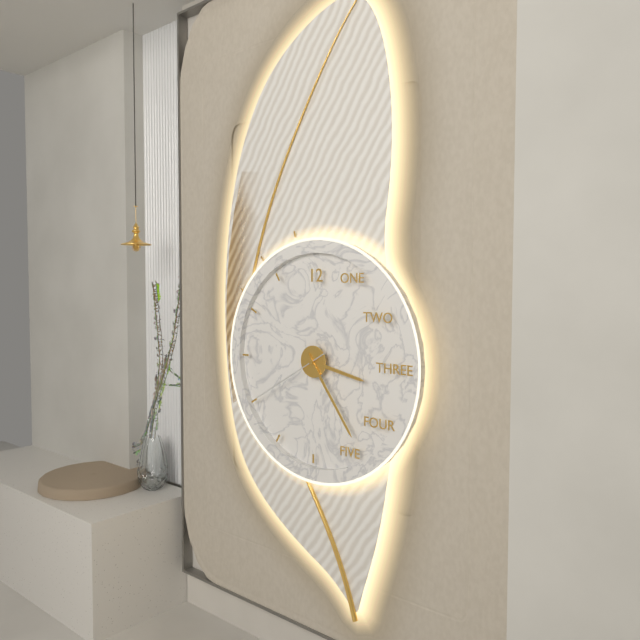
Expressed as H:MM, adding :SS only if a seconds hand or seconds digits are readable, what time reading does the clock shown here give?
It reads 3:24:40
